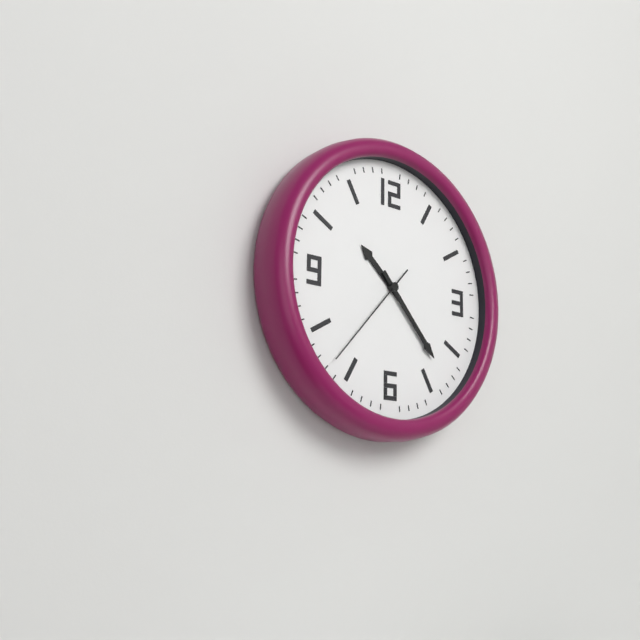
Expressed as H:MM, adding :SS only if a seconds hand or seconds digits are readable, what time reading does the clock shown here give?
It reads 10:23:37
